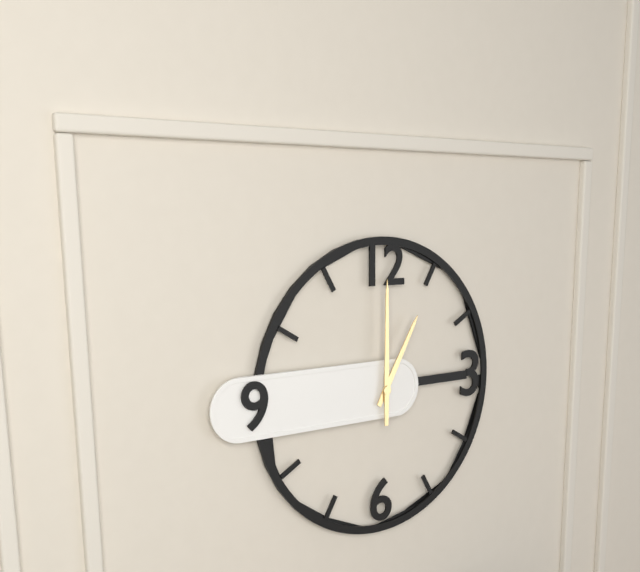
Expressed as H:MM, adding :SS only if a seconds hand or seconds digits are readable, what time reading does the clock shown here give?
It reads 1:00
